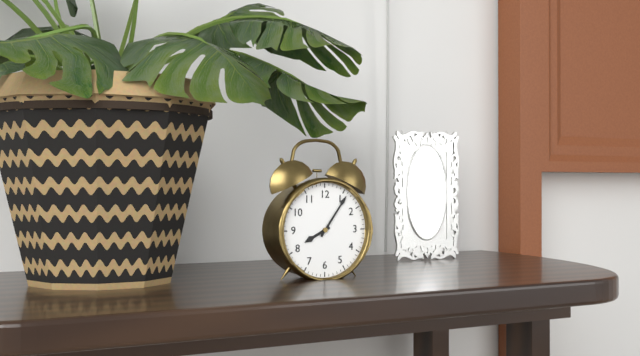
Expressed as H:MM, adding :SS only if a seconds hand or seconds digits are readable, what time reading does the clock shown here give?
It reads 8:06
